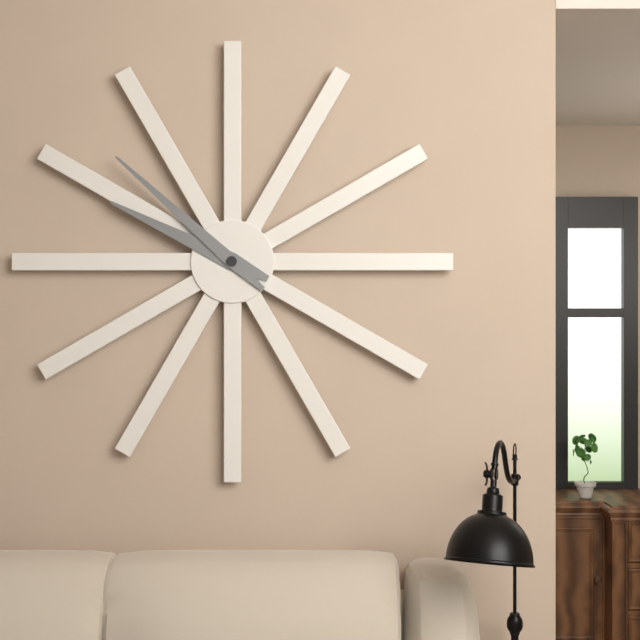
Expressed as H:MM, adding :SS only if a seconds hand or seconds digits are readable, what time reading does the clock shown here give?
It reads 9:52
